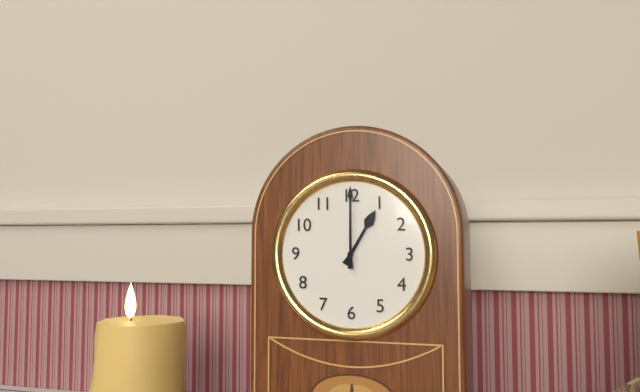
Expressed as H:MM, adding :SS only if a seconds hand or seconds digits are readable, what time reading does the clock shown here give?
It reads 1:00
